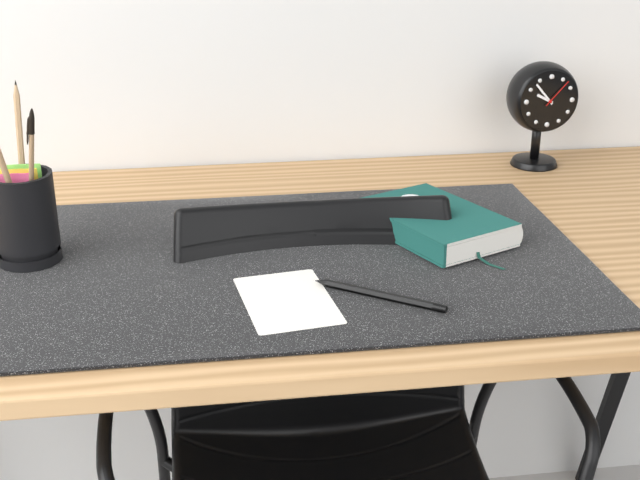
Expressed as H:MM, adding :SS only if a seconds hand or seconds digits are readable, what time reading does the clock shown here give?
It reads 9:53
